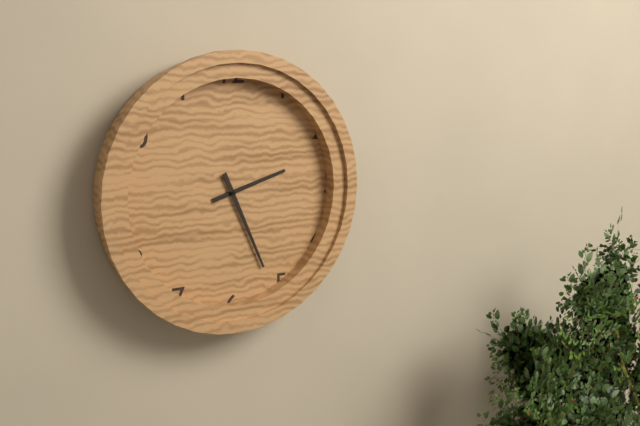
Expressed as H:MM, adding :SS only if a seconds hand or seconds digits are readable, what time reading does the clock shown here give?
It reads 2:26
